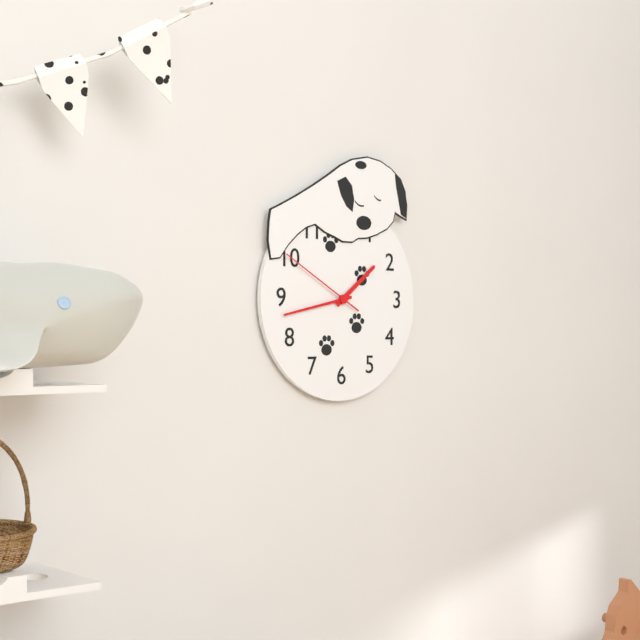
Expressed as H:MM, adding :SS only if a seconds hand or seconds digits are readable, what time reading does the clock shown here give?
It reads 1:43:50
